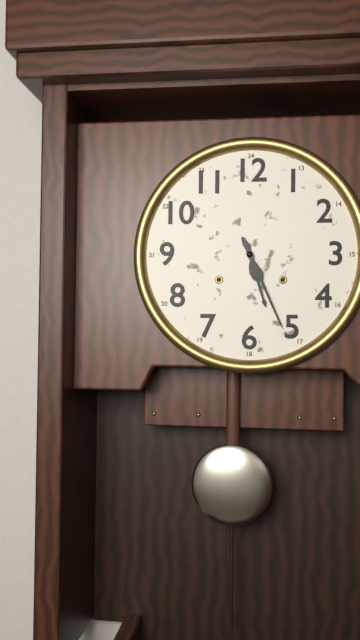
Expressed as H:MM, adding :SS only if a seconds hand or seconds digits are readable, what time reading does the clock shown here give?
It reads 5:26
